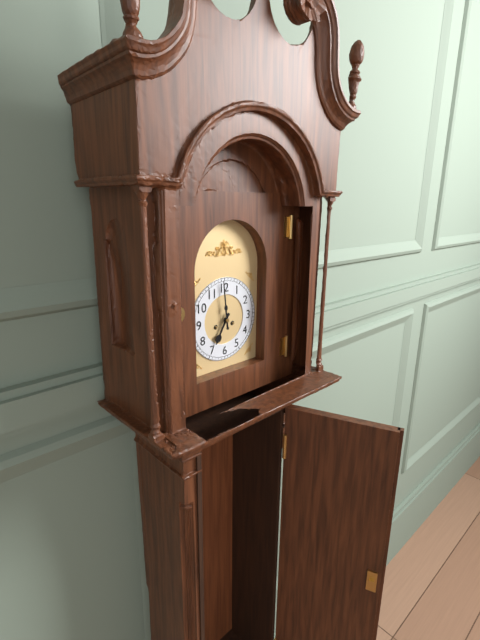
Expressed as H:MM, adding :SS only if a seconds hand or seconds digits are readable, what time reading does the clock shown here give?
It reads 6:59
